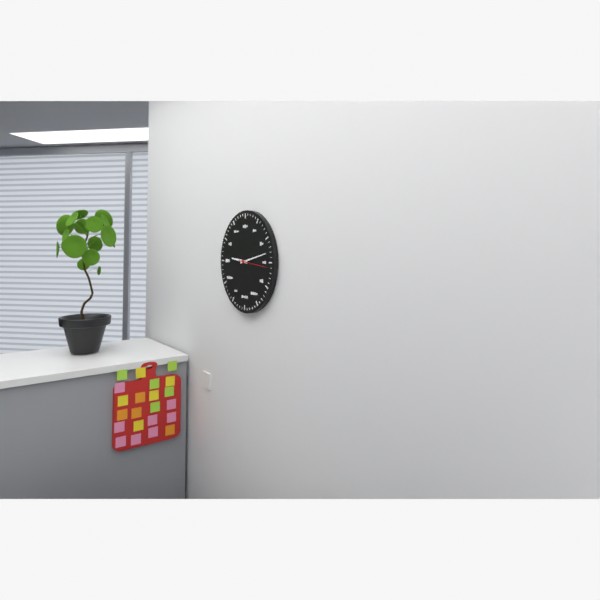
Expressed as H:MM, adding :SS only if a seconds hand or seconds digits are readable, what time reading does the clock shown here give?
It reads 9:13
